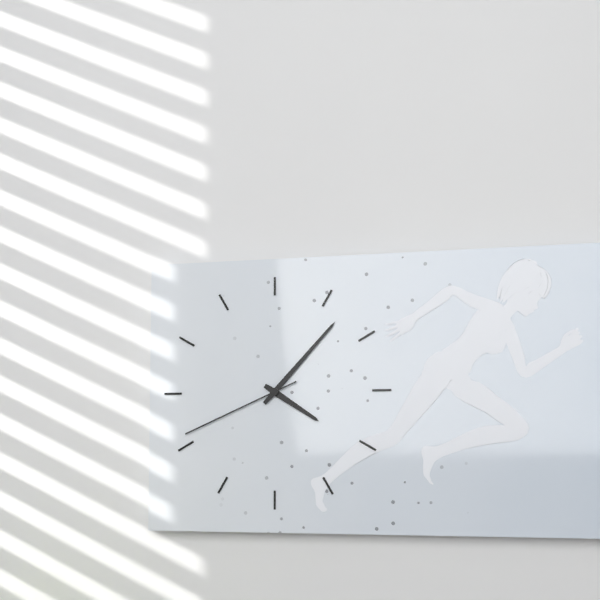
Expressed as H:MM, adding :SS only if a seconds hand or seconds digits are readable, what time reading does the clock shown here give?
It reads 4:07:41
